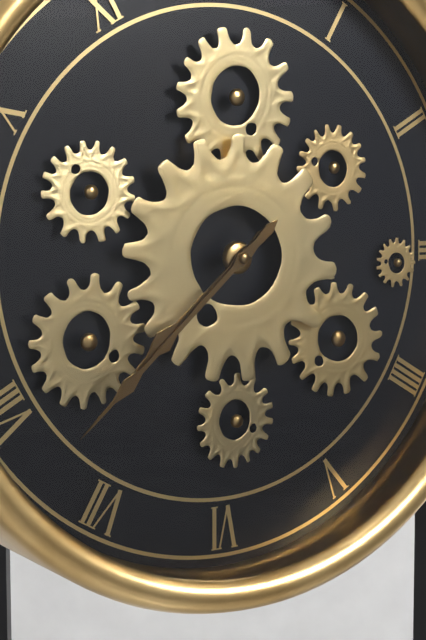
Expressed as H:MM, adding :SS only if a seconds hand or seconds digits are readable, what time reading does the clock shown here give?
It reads 7:38
